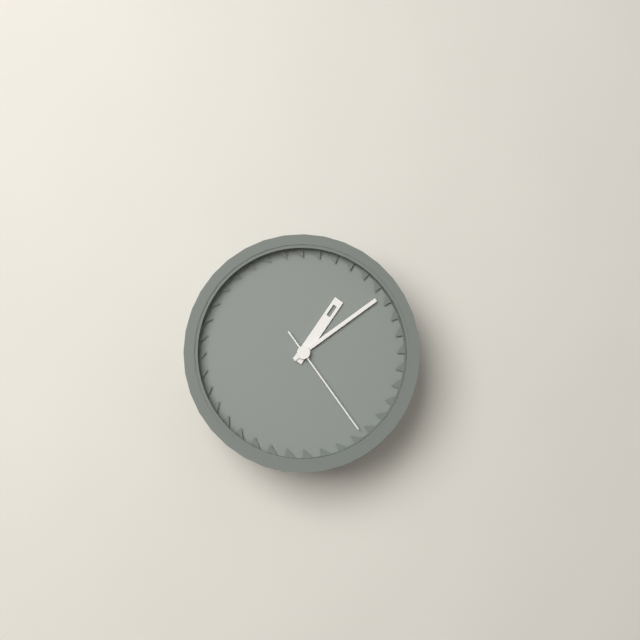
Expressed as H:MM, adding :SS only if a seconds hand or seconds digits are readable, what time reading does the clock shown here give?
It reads 1:09:24
